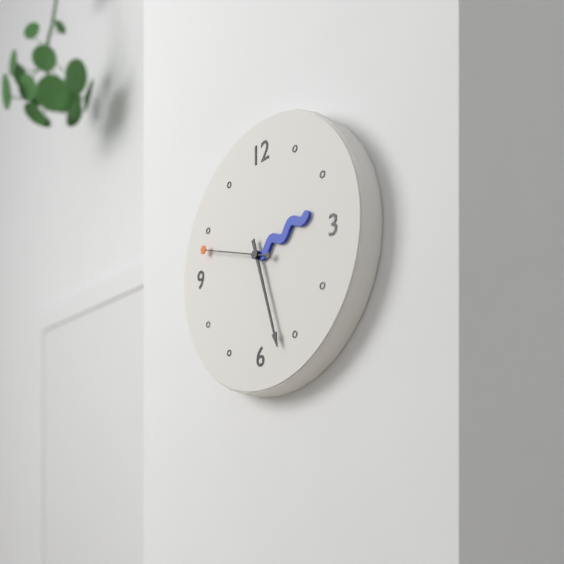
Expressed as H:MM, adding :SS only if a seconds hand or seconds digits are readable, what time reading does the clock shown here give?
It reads 2:27:48
